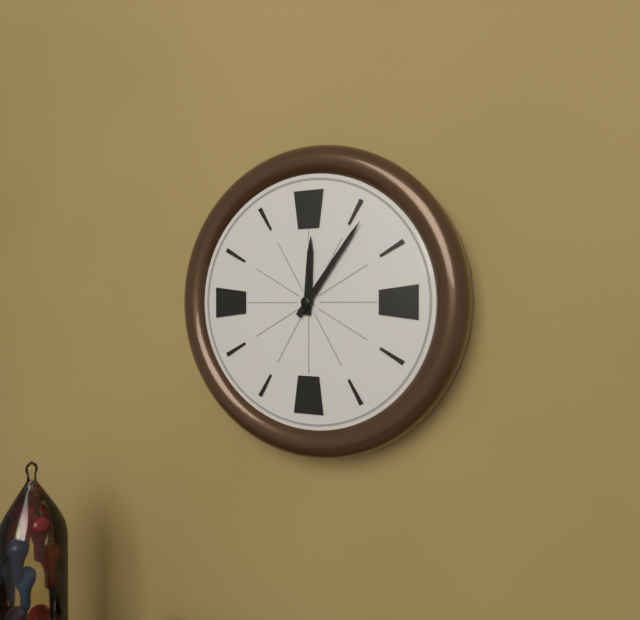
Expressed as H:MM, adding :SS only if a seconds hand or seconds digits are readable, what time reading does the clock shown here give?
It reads 12:06
